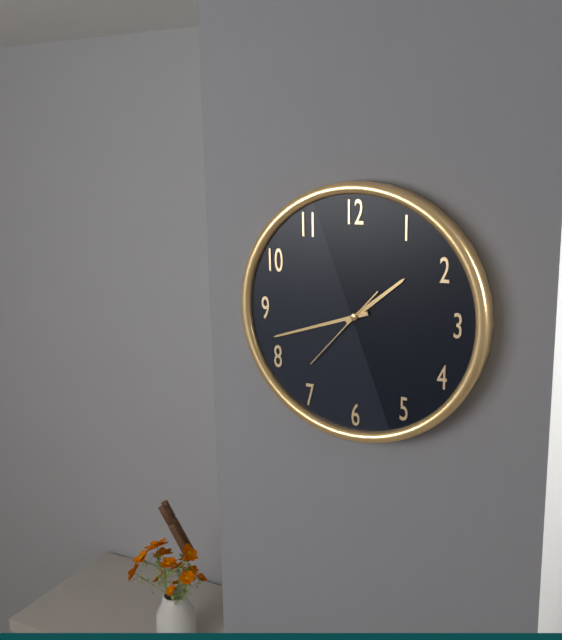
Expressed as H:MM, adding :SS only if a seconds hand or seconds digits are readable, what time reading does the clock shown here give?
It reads 1:42:37
